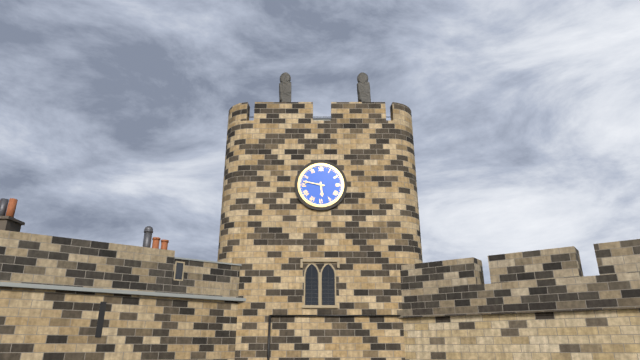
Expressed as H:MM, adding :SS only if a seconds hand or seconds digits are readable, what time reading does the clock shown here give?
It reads 5:47
